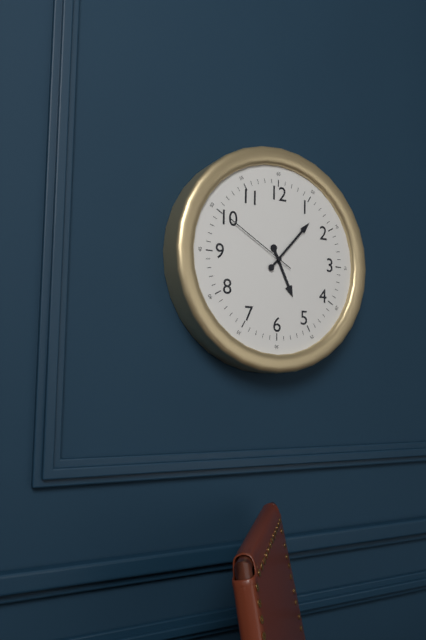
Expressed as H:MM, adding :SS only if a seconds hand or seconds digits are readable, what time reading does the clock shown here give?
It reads 5:07:50
